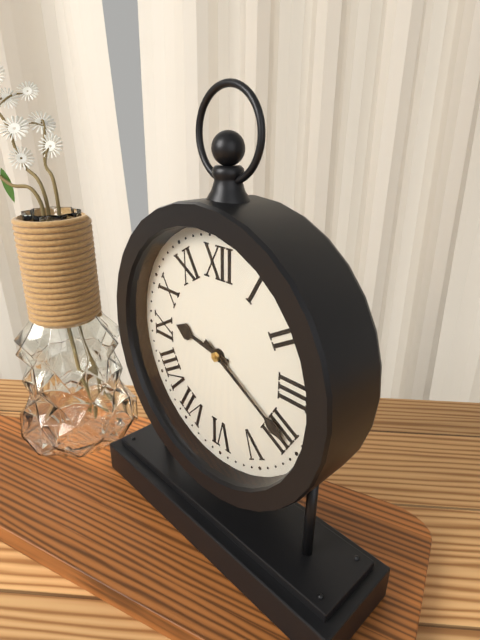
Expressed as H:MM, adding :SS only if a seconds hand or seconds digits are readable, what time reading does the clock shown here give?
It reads 9:20
